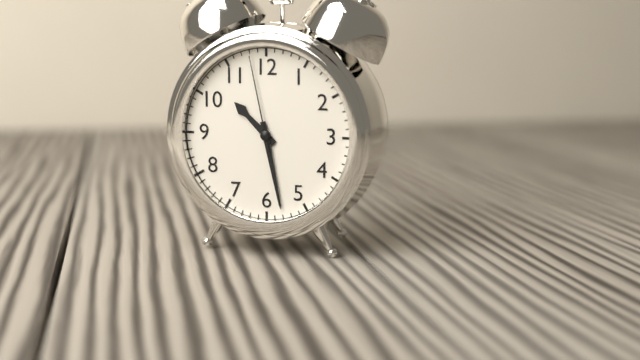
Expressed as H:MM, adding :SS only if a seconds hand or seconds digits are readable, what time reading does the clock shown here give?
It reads 10:28:58
